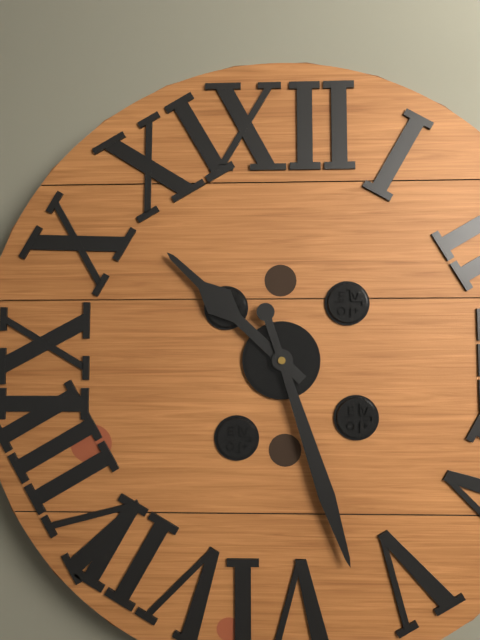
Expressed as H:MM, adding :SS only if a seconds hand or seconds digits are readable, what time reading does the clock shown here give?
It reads 10:27
